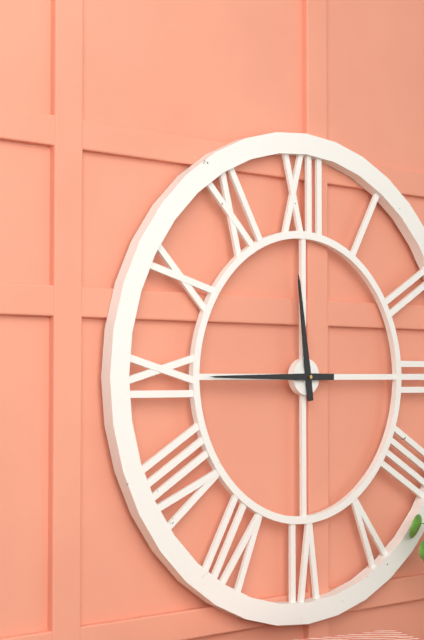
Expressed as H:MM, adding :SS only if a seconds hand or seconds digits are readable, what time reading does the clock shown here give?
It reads 11:45
